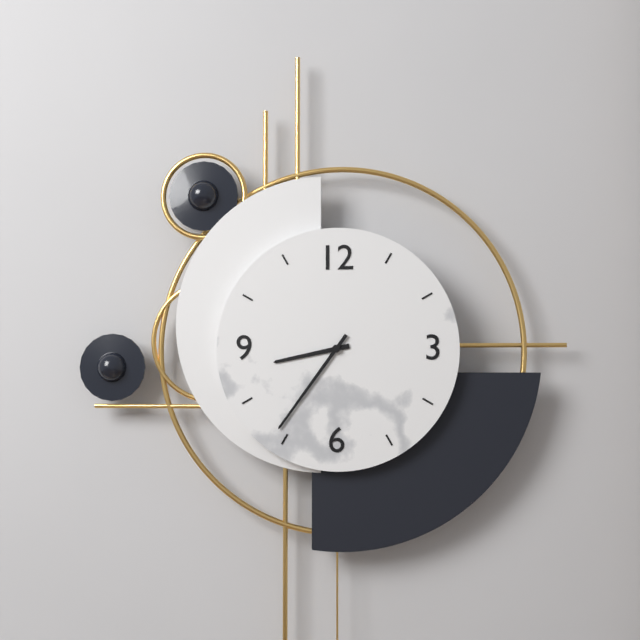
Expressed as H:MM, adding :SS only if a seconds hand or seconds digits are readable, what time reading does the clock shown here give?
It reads 8:36
